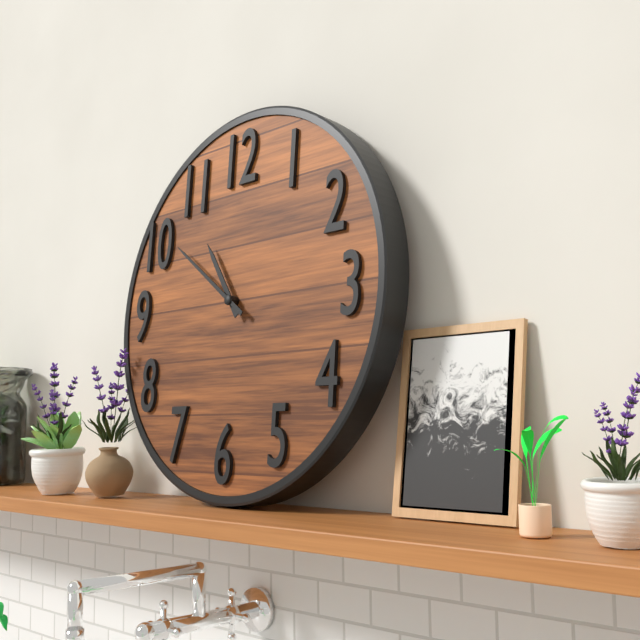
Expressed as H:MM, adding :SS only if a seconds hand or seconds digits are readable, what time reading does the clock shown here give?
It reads 10:51
